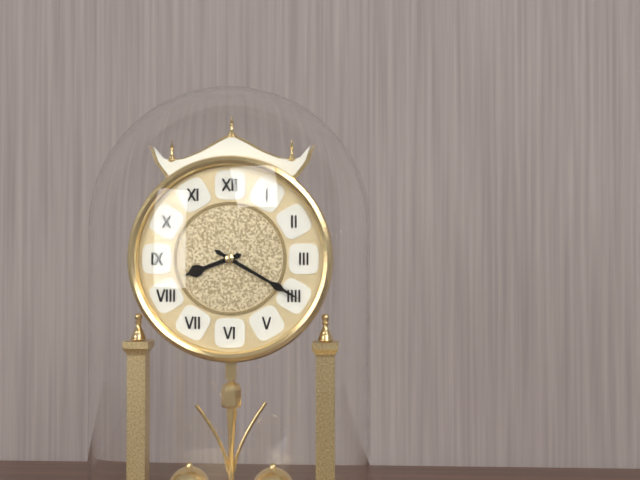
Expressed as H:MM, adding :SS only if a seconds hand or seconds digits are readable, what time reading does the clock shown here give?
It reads 8:20
